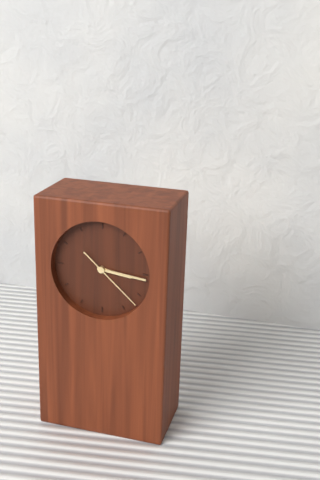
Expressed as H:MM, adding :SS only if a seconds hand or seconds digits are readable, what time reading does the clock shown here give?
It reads 3:16:22
